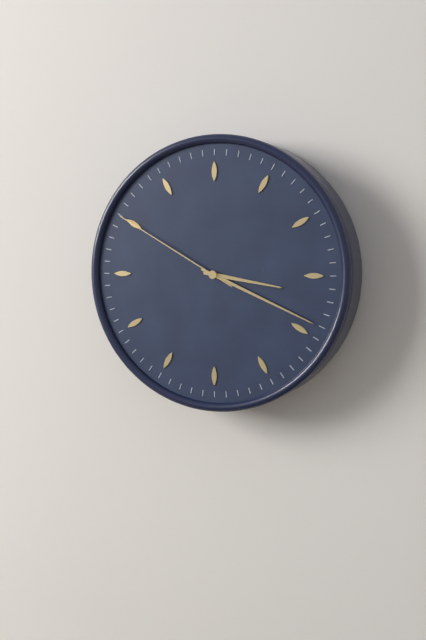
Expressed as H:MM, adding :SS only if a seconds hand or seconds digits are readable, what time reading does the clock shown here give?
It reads 3:19:50
